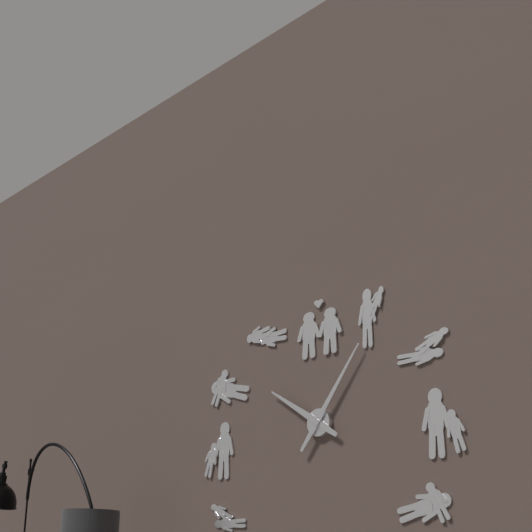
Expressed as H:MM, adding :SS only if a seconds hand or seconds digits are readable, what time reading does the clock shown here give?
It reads 10:06
